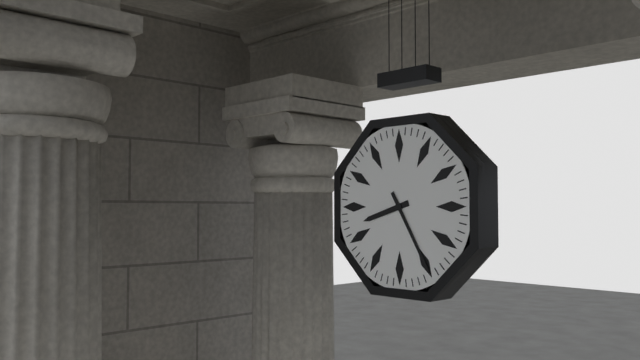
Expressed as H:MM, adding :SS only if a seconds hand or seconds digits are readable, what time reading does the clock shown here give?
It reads 8:25
